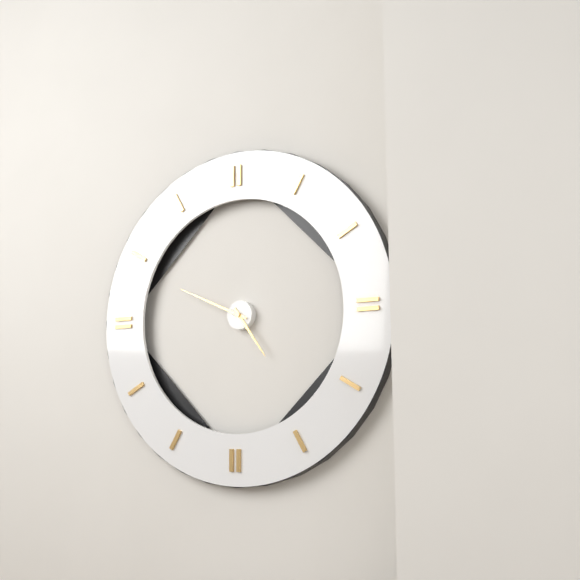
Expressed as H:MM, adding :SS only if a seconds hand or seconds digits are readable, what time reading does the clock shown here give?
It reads 4:49
